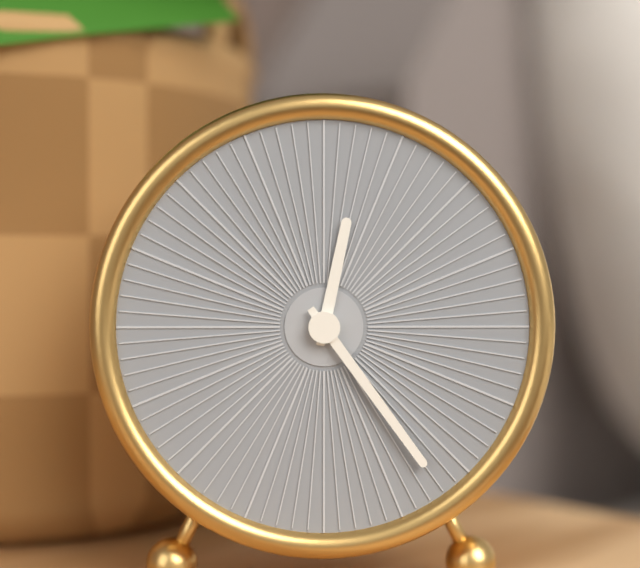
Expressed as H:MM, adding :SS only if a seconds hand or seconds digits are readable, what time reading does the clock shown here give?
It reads 12:24
